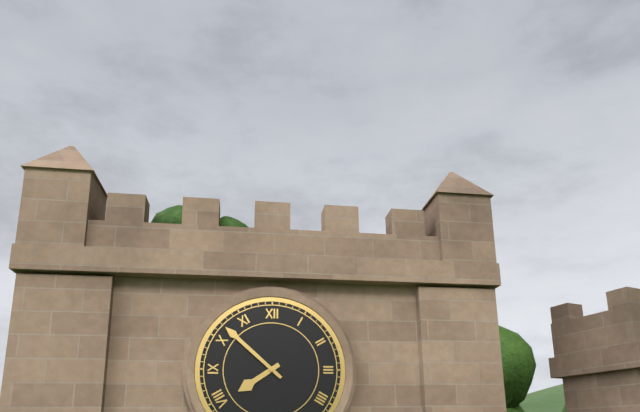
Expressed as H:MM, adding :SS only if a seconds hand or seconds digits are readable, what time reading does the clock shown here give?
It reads 7:52
